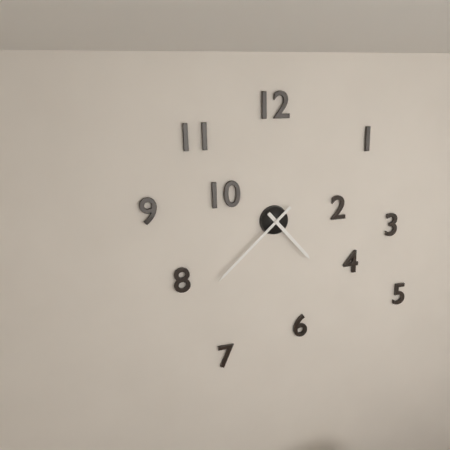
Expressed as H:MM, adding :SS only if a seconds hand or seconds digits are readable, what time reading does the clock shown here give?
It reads 4:38
